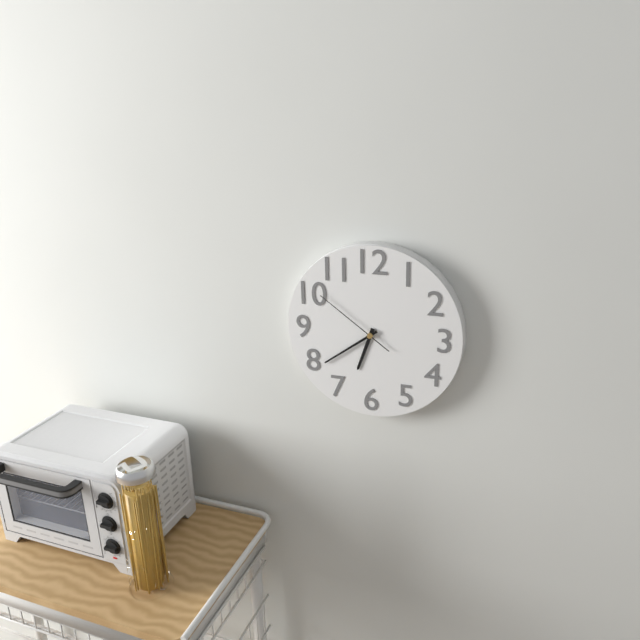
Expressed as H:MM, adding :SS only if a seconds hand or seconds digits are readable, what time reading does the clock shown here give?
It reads 6:39:51
